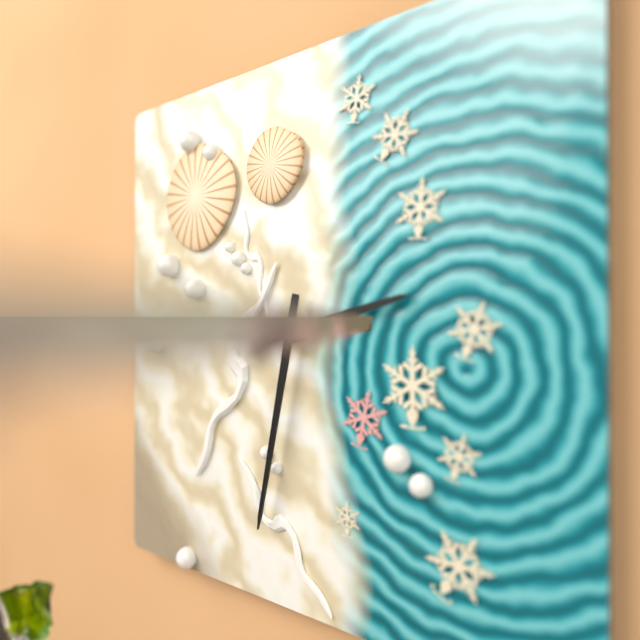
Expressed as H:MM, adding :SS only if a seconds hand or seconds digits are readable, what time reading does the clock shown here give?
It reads 2:32
